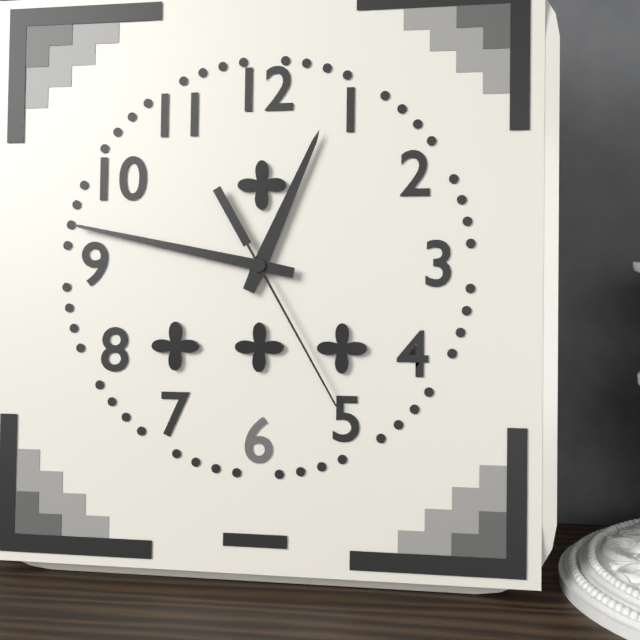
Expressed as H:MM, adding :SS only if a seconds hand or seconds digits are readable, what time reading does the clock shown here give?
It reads 12:47:25
